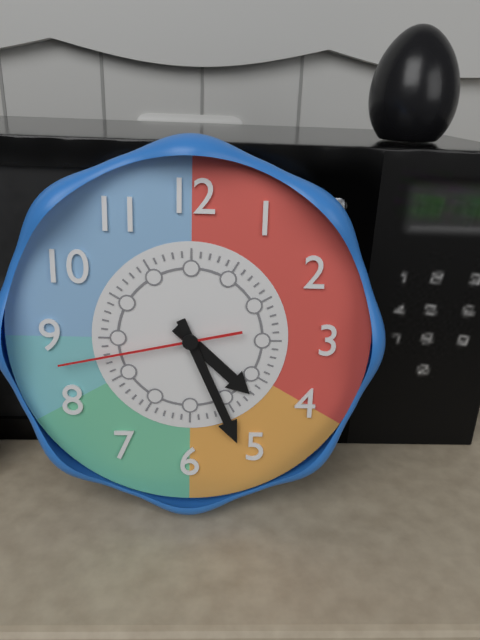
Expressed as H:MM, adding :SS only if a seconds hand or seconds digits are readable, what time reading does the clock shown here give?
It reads 4:26:43
